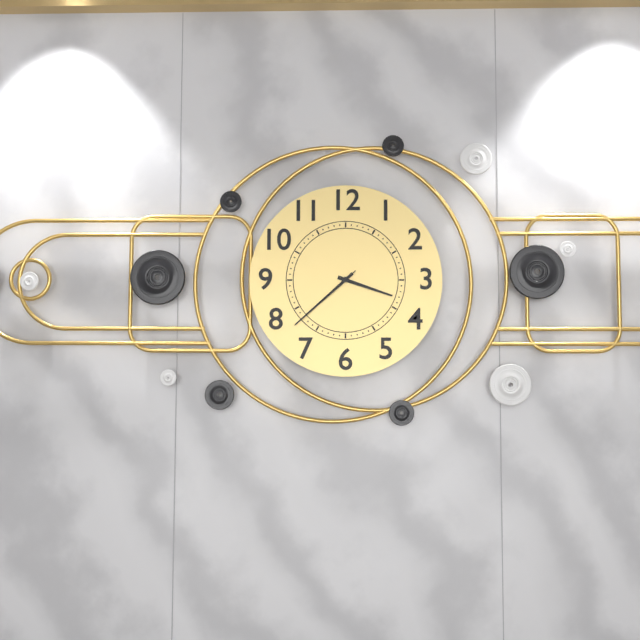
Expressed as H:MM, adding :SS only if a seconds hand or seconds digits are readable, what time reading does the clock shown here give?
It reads 3:38:38
